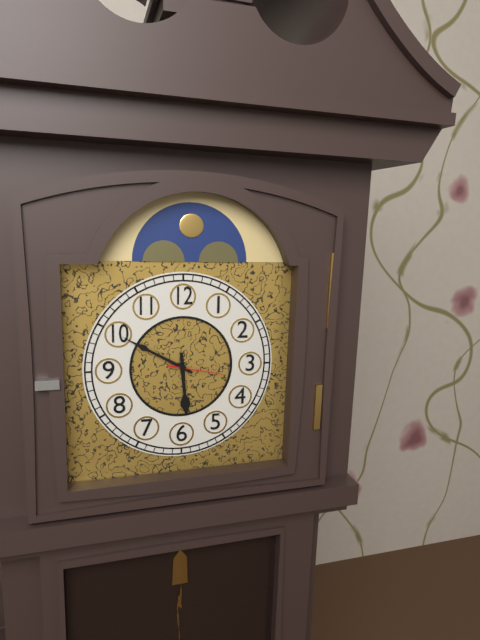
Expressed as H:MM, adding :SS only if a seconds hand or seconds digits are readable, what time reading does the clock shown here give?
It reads 5:50:17
